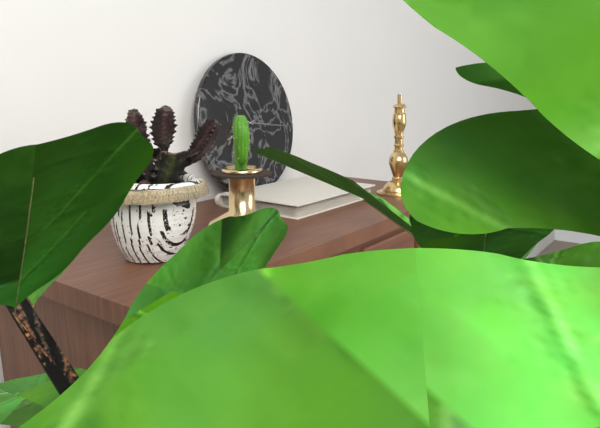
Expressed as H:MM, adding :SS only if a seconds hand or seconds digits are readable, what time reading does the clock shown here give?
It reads 8:16
